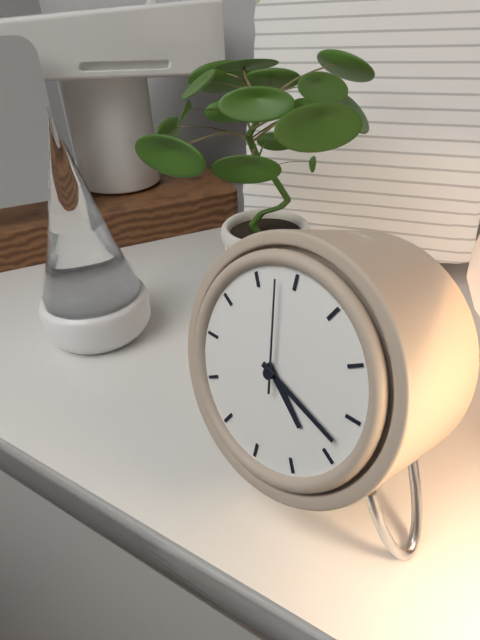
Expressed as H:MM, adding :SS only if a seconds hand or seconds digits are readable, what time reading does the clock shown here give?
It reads 4:18:58
